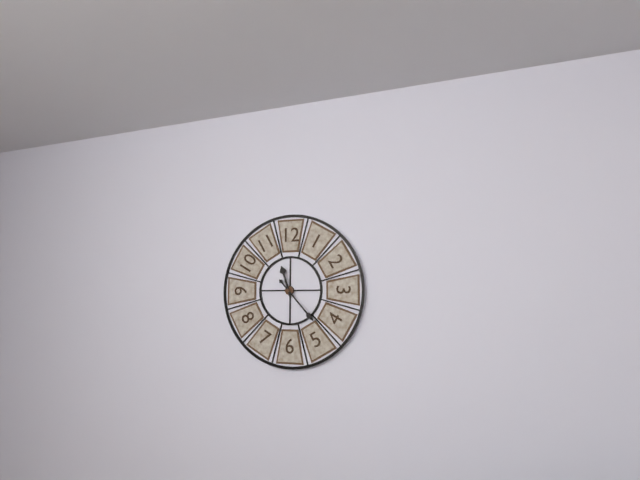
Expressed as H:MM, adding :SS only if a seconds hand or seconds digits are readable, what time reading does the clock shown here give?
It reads 11:23
